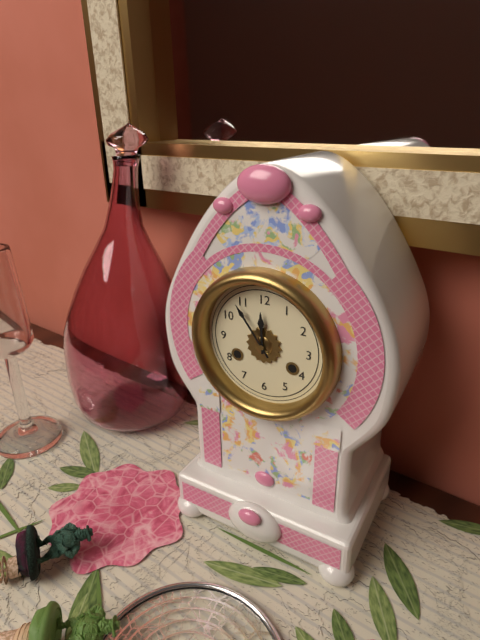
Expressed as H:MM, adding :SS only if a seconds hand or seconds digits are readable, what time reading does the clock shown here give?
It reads 11:54
